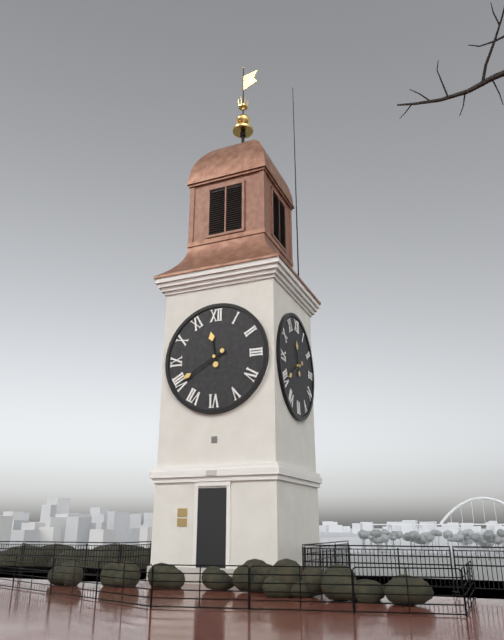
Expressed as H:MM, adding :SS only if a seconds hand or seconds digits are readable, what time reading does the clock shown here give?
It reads 11:40
